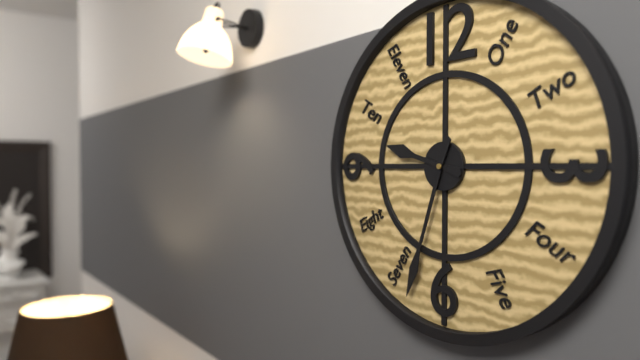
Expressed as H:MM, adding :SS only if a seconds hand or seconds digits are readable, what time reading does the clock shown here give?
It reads 9:33
